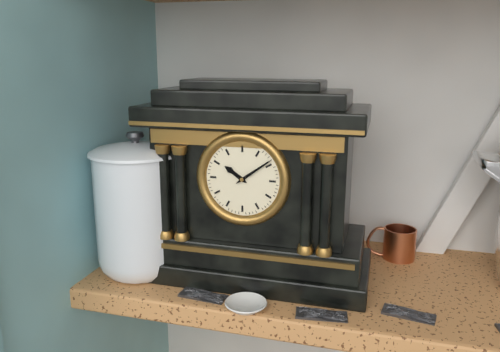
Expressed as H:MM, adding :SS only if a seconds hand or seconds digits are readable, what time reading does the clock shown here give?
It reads 10:09
